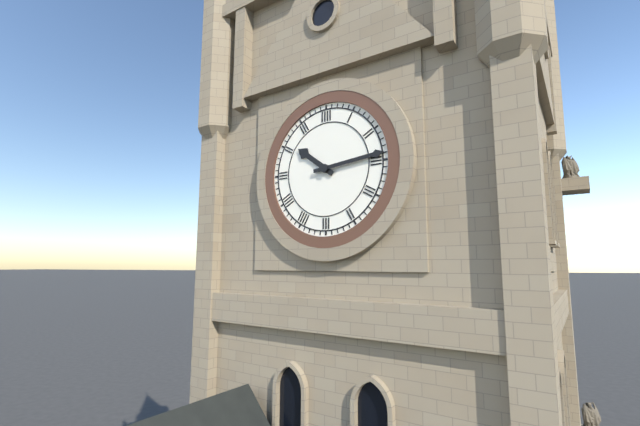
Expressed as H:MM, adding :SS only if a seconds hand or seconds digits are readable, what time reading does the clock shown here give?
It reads 10:14
